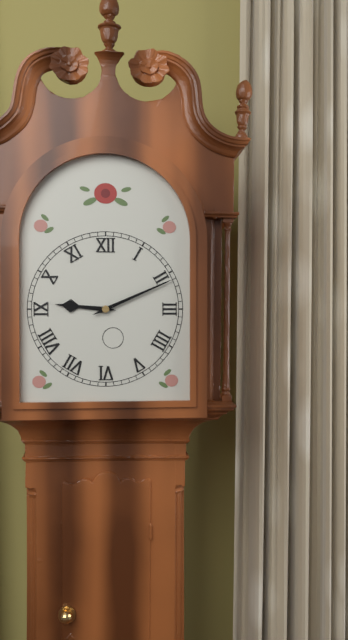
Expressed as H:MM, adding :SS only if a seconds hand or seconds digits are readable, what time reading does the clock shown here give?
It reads 9:11
